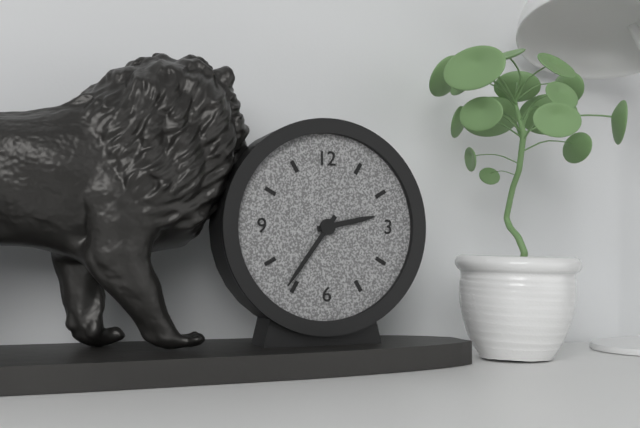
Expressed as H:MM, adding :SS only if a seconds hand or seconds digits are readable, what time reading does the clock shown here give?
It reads 2:36
